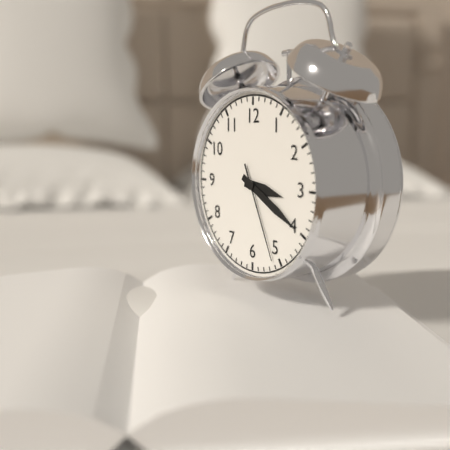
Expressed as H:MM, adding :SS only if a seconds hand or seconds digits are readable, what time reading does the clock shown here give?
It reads 3:20:26
